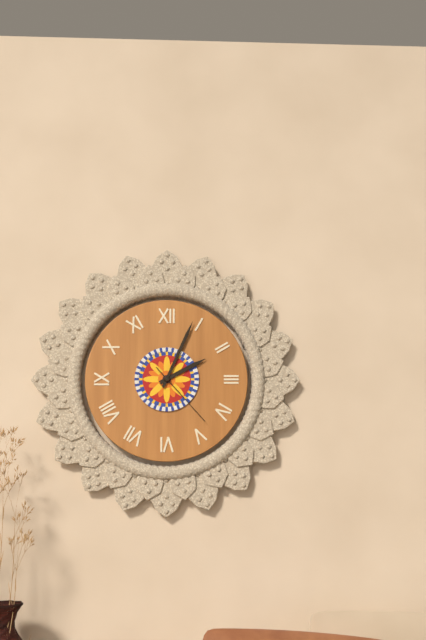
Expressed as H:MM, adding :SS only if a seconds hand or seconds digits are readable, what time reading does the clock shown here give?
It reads 2:04:23
